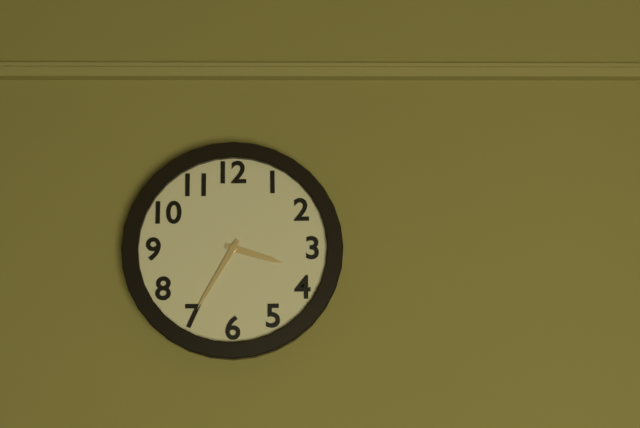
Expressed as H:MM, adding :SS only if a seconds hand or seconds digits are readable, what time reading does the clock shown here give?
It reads 3:35
